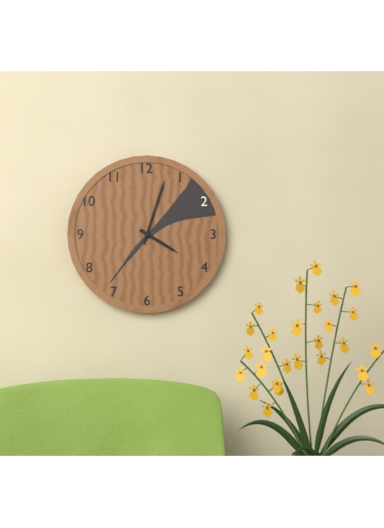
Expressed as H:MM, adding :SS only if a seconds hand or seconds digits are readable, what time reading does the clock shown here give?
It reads 4:03
